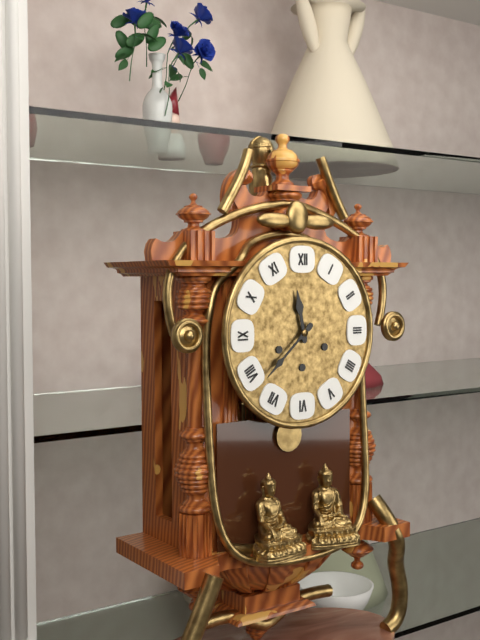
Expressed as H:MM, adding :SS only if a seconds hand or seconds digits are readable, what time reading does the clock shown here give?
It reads 11:38
